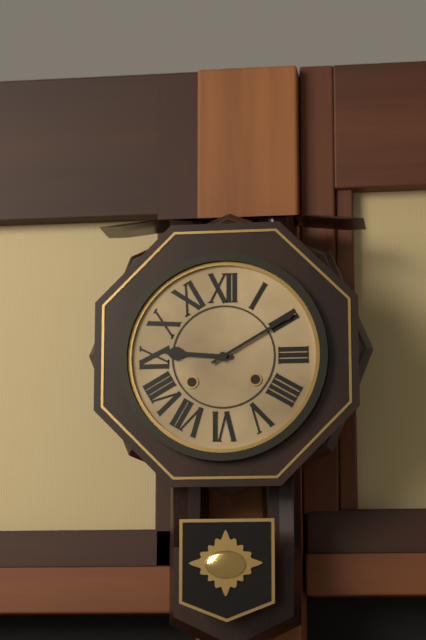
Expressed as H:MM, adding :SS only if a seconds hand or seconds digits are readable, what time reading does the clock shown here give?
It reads 9:10
